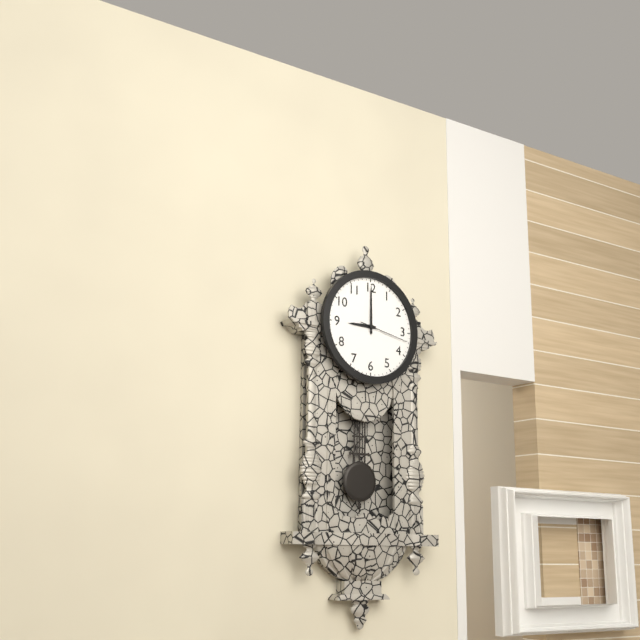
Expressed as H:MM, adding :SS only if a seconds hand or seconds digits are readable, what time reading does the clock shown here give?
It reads 9:00
